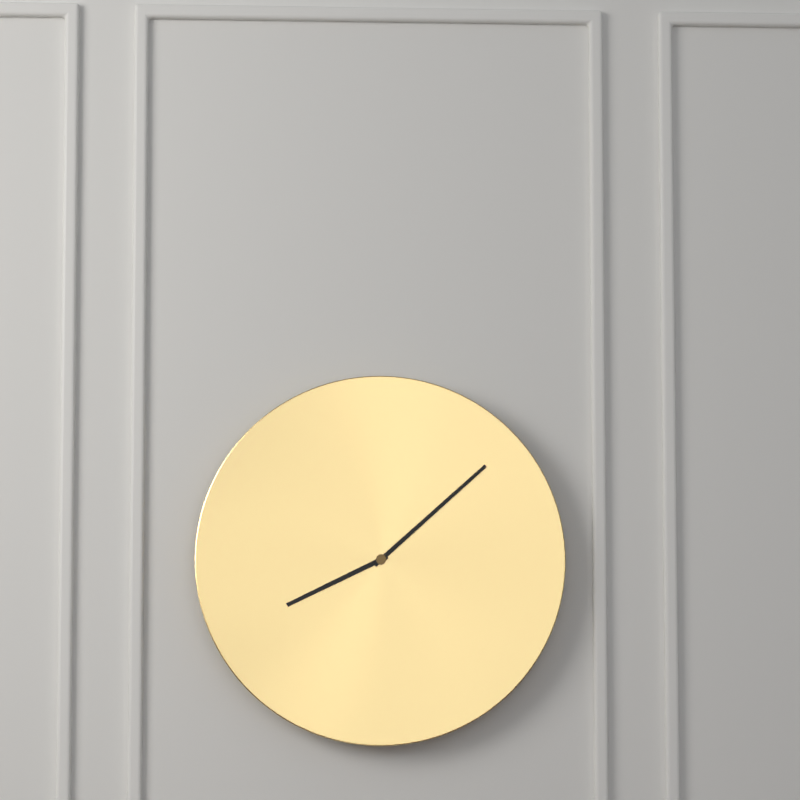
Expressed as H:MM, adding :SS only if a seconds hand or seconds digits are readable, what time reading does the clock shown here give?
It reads 8:08
